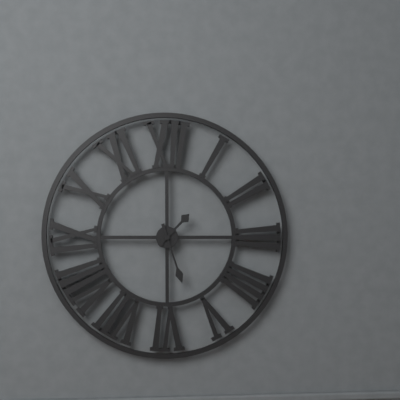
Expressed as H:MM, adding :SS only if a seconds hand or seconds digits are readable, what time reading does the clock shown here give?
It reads 1:27
